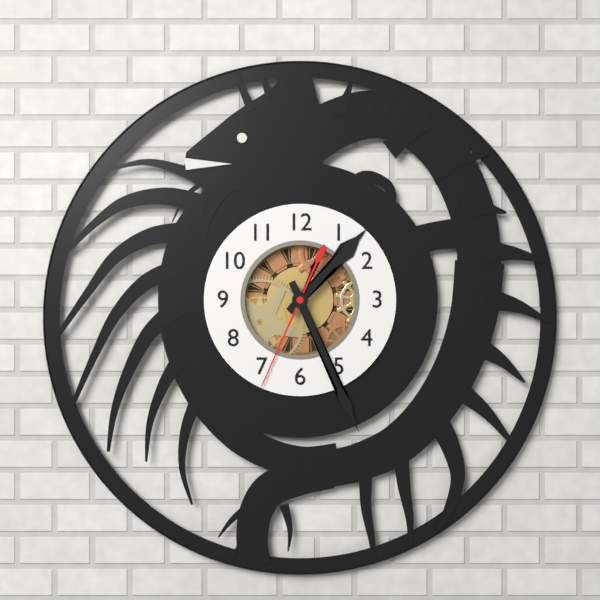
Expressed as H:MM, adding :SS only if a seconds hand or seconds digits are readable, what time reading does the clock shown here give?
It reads 1:26:34
